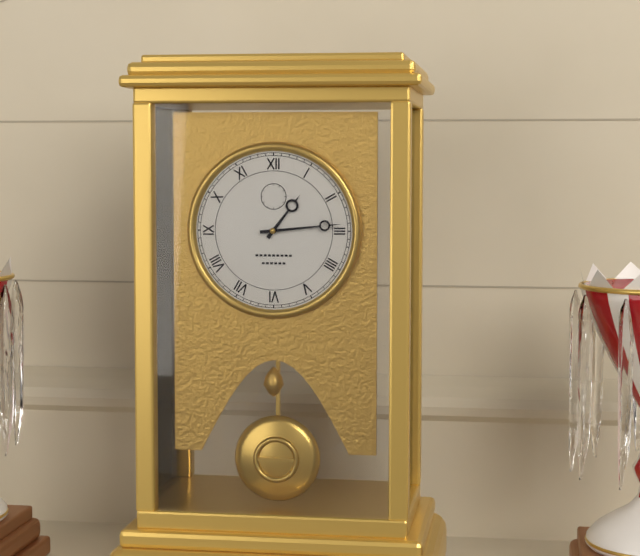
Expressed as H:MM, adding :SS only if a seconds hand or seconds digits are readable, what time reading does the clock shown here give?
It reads 1:14
